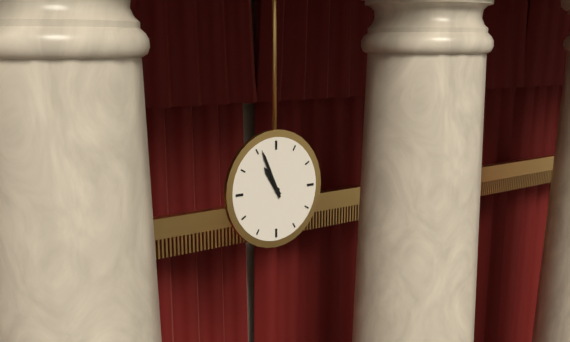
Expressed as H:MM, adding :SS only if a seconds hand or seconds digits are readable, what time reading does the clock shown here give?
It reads 10:56
